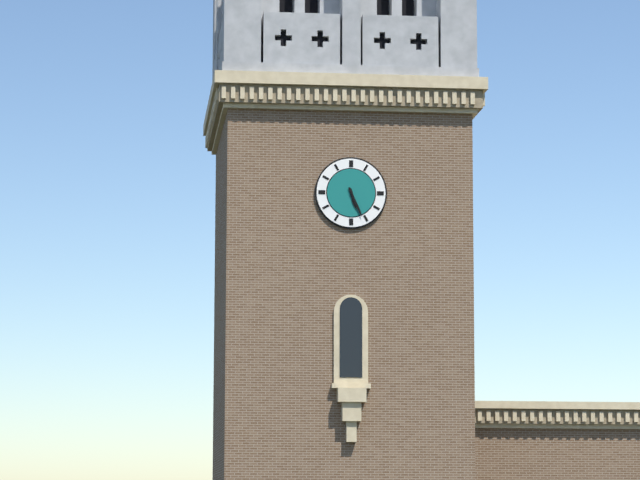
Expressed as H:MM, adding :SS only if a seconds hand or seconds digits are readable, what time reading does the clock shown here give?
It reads 5:26
